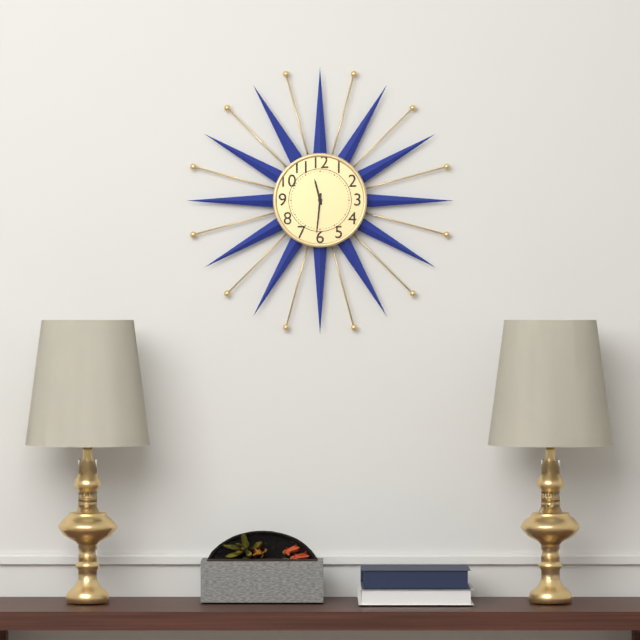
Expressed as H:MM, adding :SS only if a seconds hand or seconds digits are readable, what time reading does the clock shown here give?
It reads 11:31
